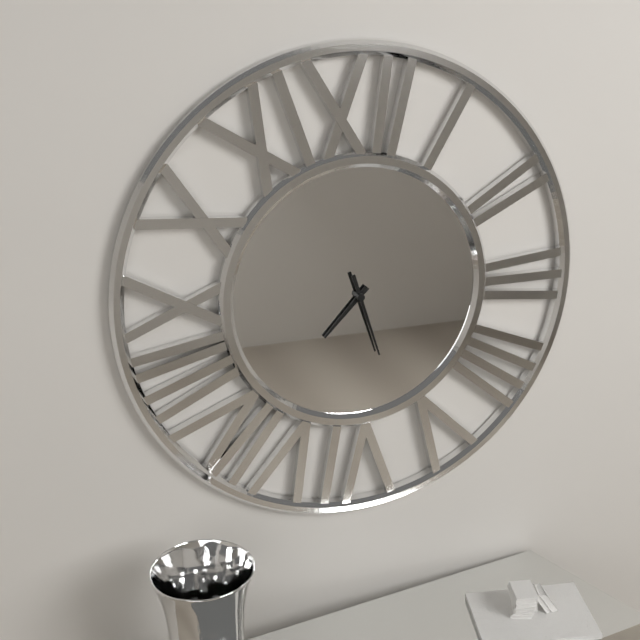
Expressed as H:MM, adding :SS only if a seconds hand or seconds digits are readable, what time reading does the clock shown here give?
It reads 7:27
